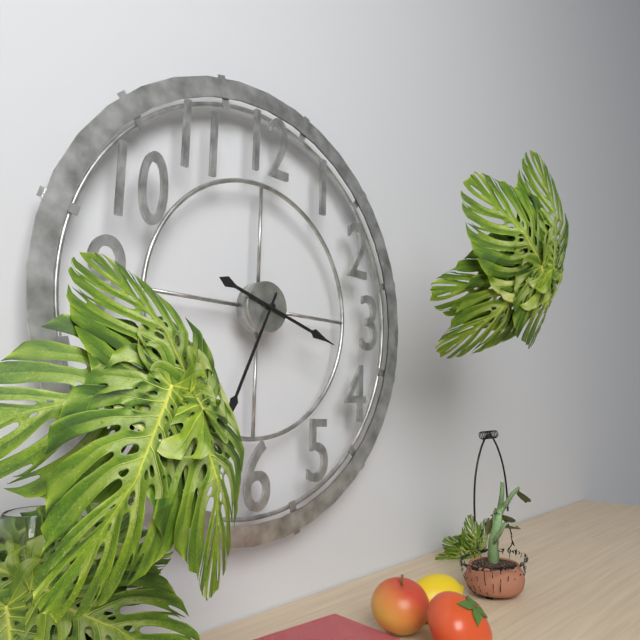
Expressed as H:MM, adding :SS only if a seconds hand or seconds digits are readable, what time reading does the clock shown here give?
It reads 3:34
